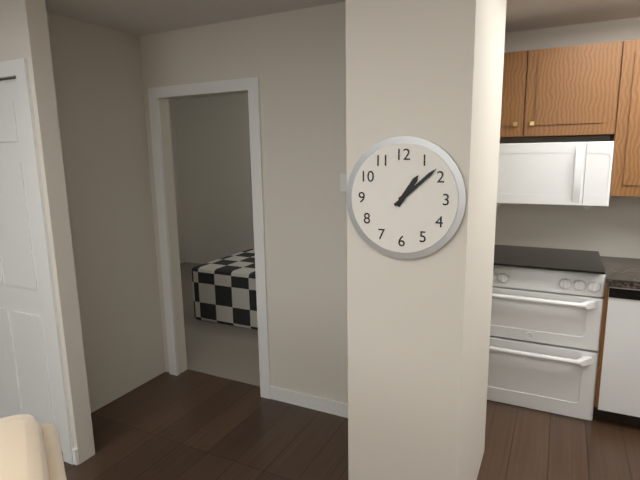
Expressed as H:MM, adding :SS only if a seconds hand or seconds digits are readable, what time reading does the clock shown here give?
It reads 1:08
